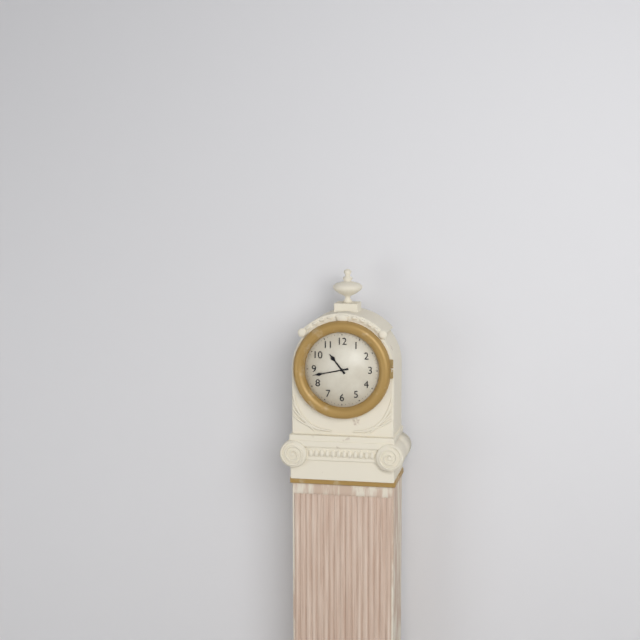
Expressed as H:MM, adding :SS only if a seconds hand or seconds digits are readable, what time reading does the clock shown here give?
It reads 10:43
